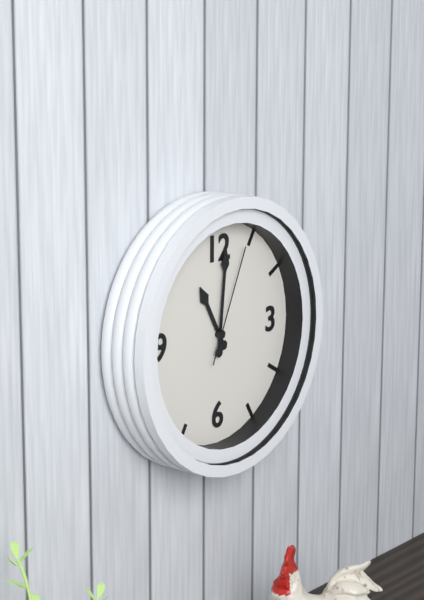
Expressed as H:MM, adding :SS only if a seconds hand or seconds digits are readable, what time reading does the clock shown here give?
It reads 11:01:04
